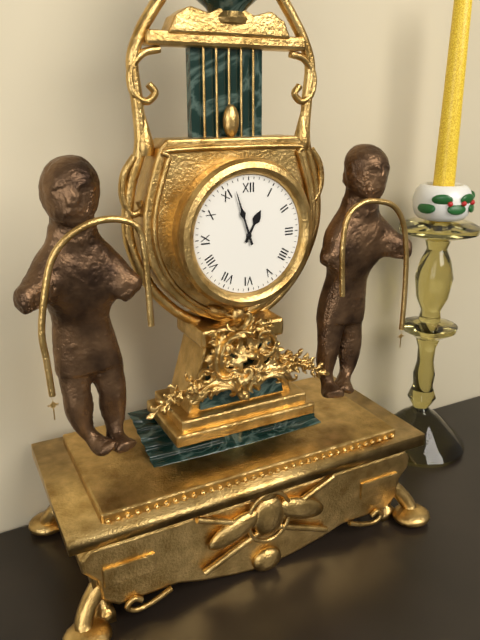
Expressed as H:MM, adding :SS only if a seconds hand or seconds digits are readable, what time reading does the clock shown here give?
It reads 12:57
